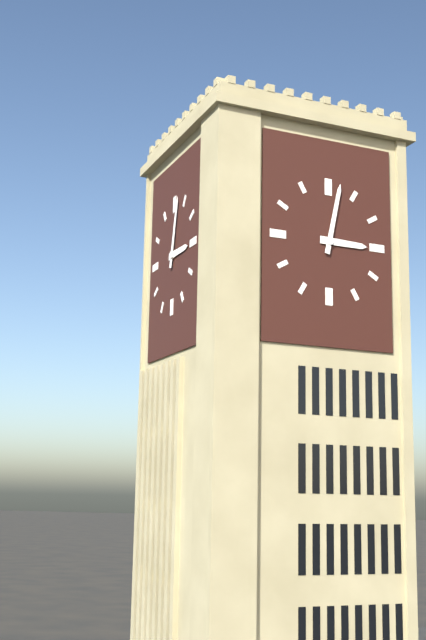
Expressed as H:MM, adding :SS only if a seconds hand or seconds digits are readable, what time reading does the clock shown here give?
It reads 3:02
